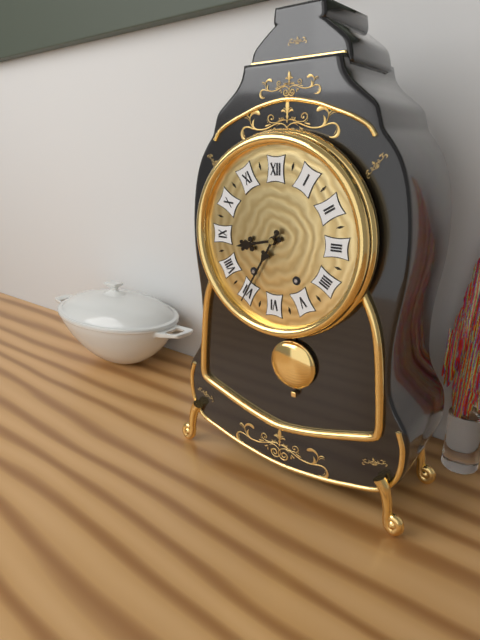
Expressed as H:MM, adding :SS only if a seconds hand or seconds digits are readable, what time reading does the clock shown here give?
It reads 8:35
